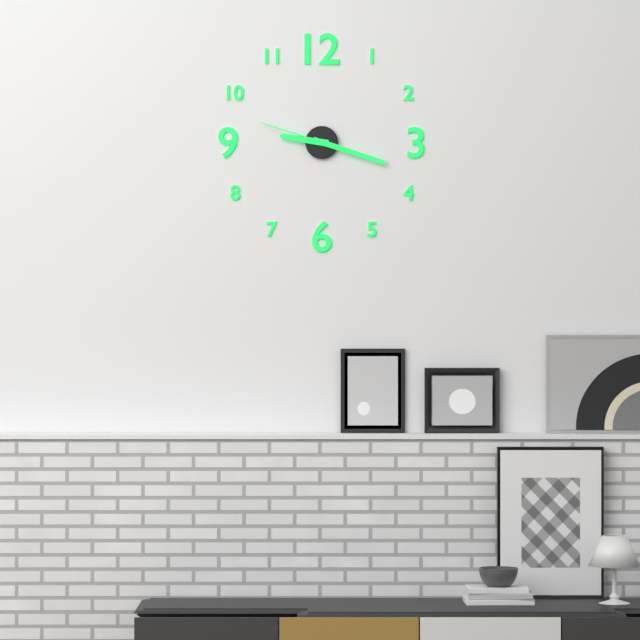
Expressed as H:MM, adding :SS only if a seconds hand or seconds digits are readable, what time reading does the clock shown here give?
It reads 9:18:48
